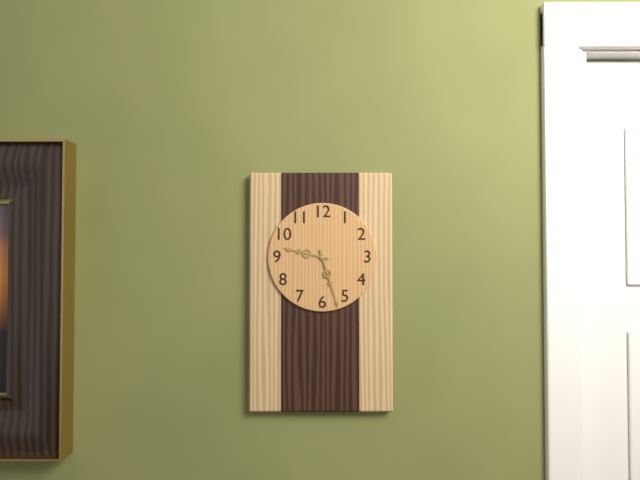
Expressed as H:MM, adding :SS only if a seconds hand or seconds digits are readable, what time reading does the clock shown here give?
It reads 9:27
